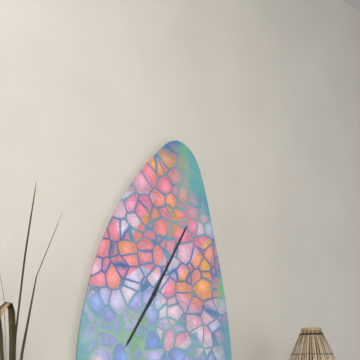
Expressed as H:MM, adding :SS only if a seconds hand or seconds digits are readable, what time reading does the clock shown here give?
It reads 7:05
